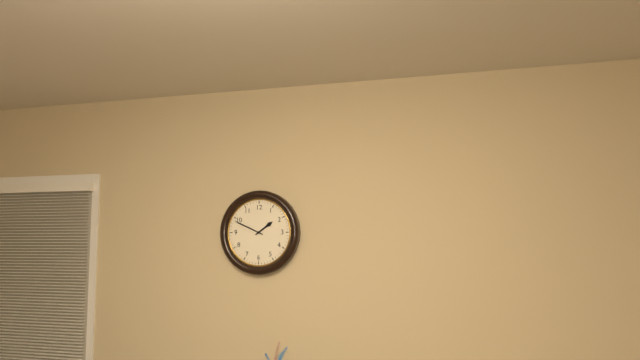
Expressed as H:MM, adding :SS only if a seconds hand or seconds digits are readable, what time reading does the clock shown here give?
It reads 1:49
